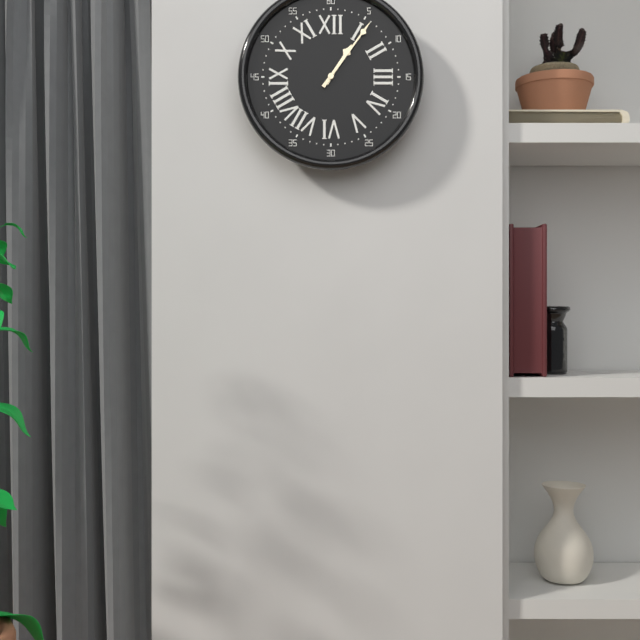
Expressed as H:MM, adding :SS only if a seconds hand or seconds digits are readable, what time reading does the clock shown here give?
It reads 1:06
